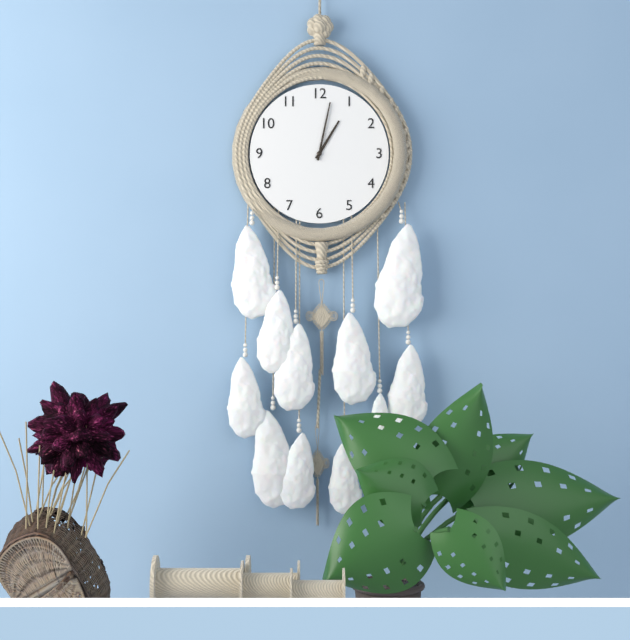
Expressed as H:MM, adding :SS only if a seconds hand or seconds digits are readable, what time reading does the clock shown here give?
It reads 1:02
